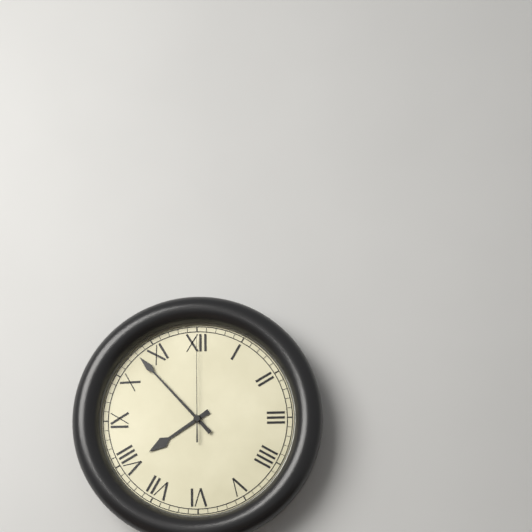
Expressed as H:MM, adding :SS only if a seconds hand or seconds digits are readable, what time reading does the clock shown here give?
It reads 7:53:00
